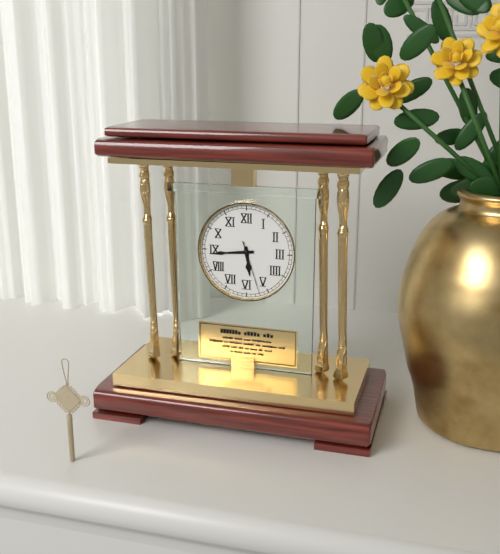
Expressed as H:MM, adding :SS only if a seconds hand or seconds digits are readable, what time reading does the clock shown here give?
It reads 5:44:27
